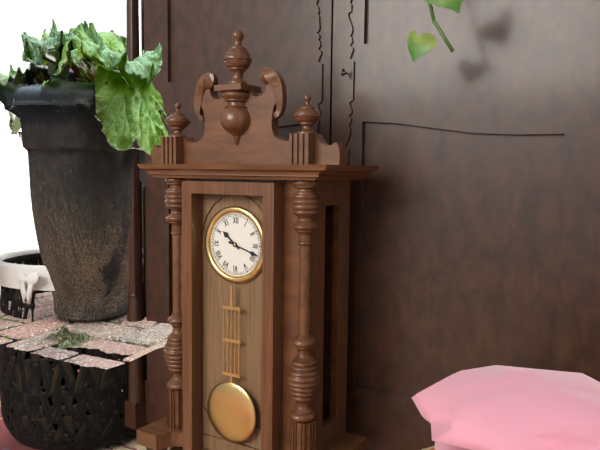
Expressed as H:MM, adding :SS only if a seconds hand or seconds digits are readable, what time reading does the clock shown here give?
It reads 10:18
